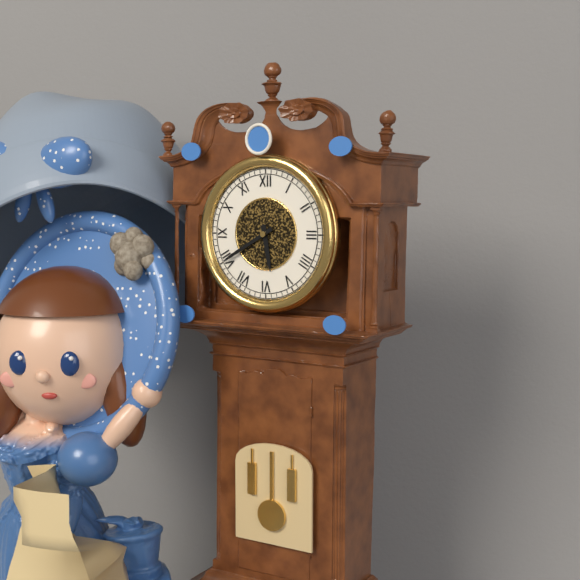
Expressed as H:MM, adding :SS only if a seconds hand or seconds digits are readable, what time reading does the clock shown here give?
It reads 5:40
